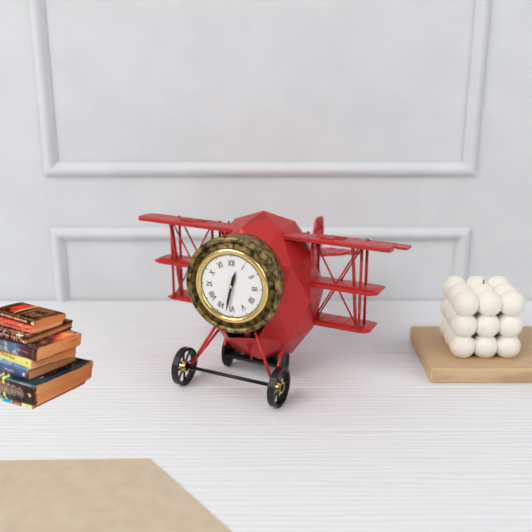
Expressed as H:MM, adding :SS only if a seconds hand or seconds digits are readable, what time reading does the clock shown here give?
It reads 12:32
